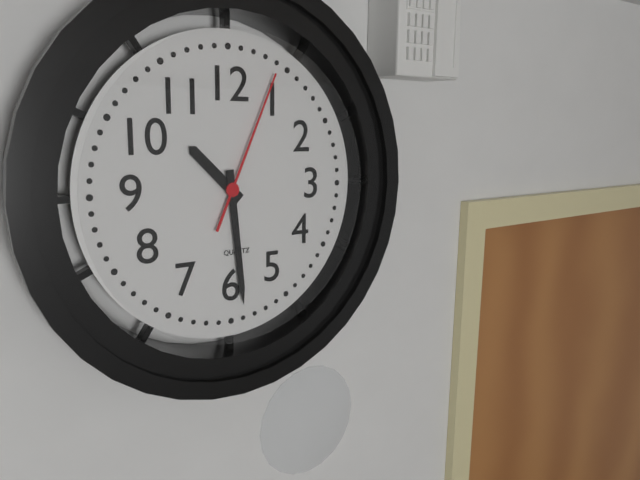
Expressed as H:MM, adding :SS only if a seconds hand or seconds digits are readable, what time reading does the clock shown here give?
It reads 10:29:04
